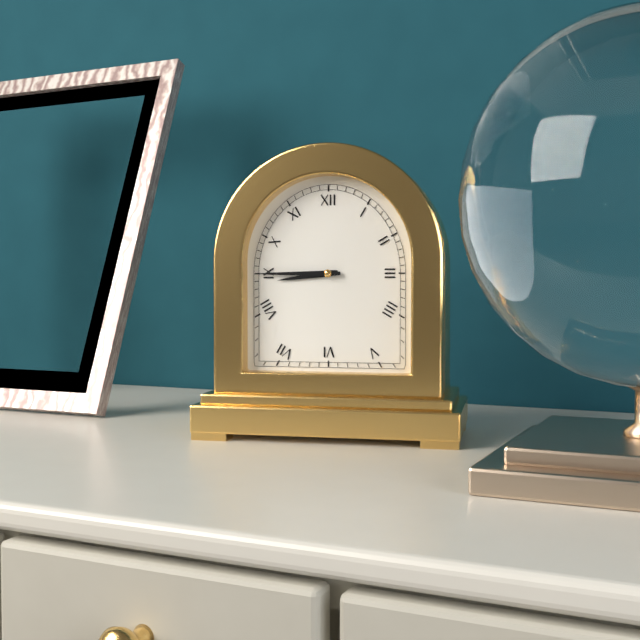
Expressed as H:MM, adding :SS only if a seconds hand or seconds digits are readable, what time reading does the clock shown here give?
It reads 8:45
